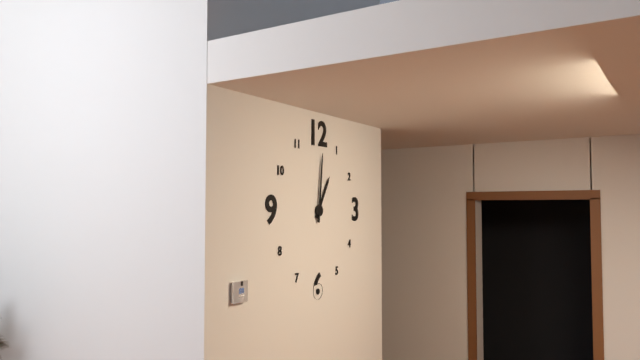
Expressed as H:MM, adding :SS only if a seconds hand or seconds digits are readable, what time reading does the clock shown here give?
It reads 1:01
